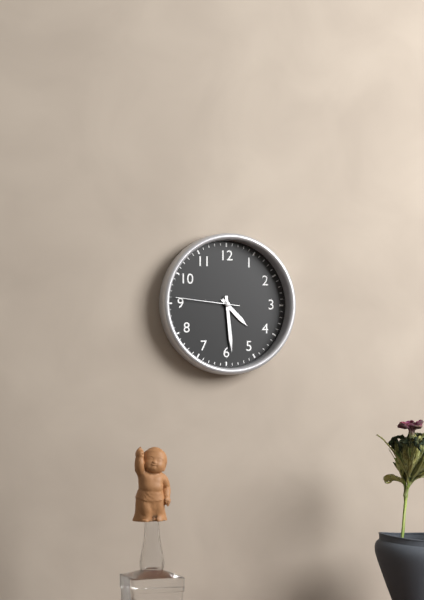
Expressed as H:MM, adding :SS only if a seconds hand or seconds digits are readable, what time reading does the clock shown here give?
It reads 4:29:46
